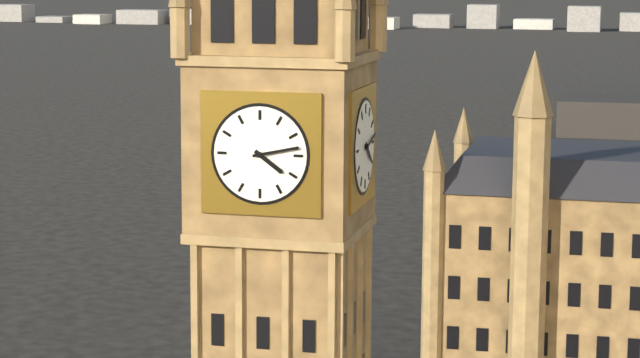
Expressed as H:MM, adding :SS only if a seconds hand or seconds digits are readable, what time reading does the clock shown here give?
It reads 4:13
